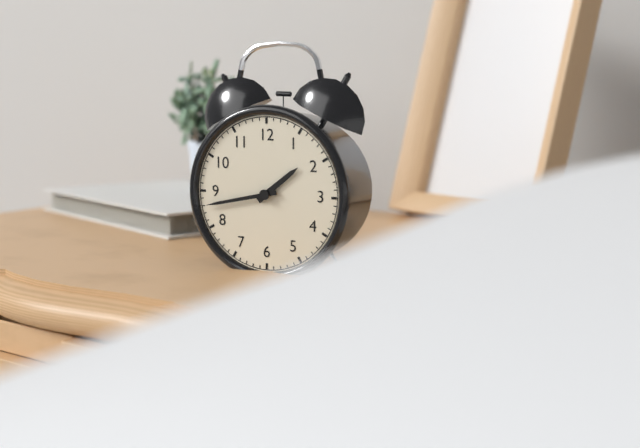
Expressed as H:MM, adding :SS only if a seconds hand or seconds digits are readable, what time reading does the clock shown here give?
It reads 1:43
